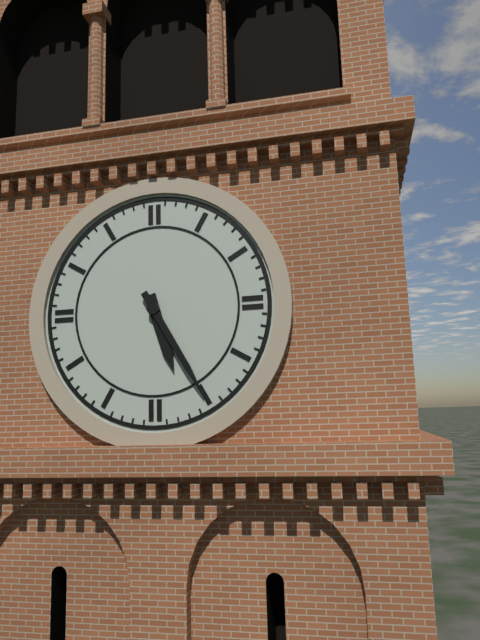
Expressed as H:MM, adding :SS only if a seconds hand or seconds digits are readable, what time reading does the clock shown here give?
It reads 5:25
